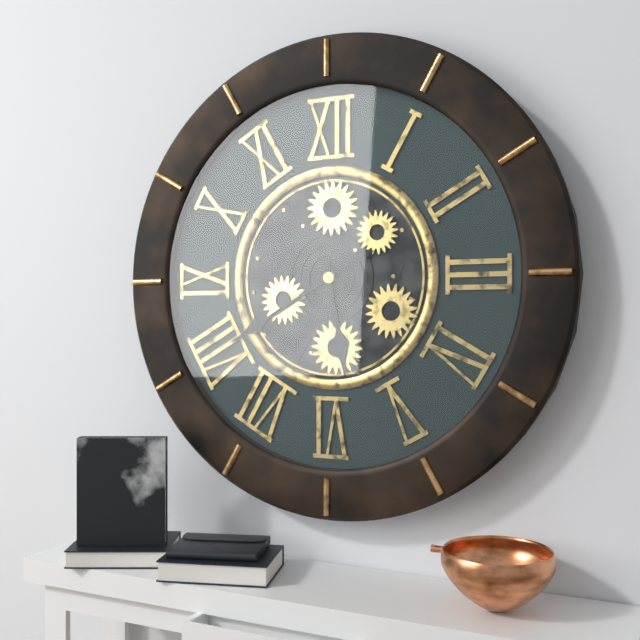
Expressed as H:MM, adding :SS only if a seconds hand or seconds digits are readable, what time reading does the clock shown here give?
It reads 5:40
